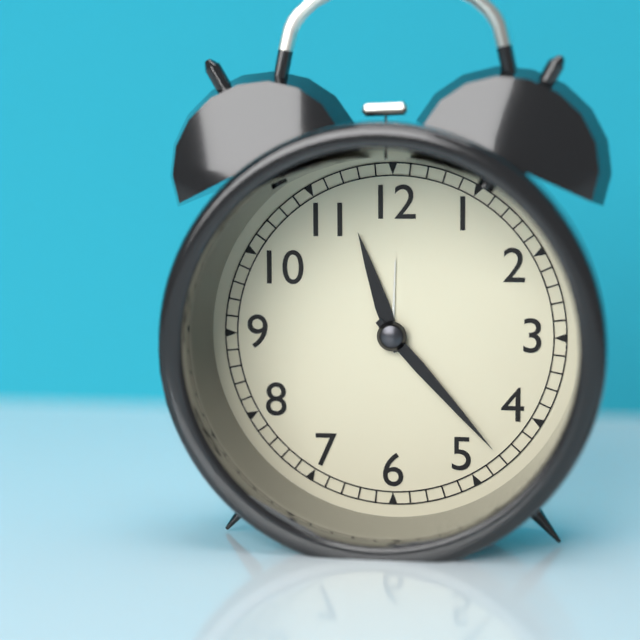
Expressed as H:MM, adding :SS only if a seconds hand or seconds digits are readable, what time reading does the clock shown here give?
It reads 11:23
